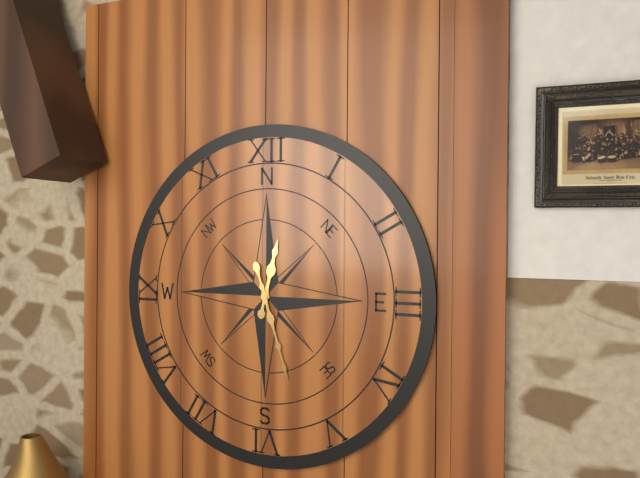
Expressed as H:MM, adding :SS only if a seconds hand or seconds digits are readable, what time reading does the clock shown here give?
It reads 12:27
